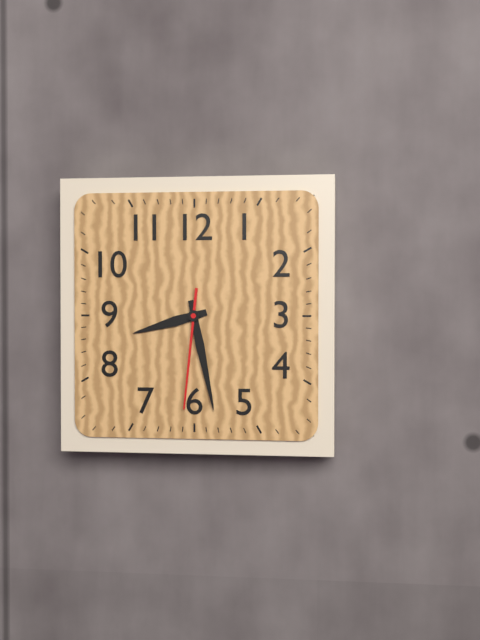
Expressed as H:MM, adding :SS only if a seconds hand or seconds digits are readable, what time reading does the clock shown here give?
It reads 8:28:31
